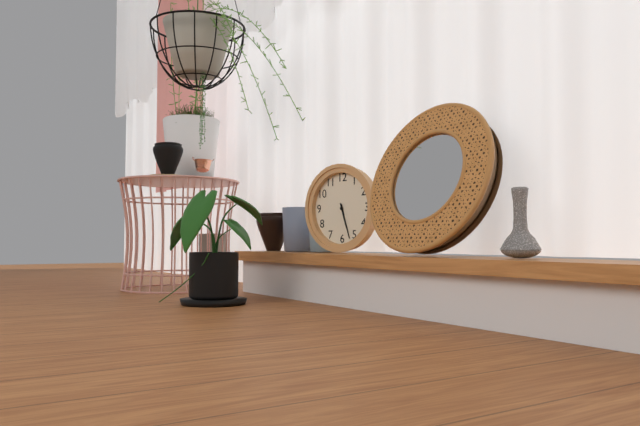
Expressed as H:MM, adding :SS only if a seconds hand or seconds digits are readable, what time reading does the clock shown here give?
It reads 5:27
